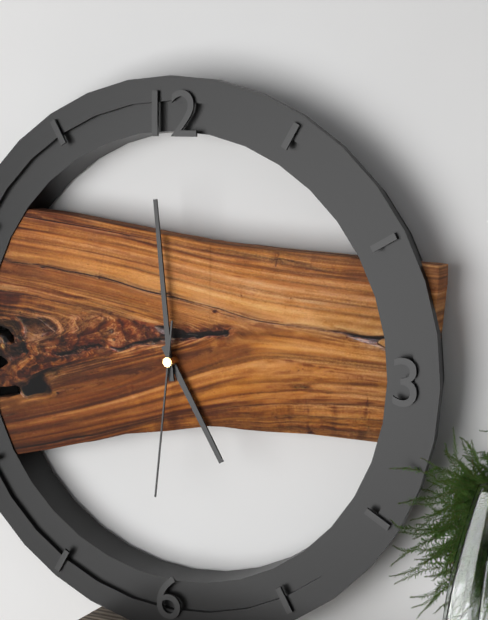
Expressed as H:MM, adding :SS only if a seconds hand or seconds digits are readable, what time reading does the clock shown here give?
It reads 4:59:31
